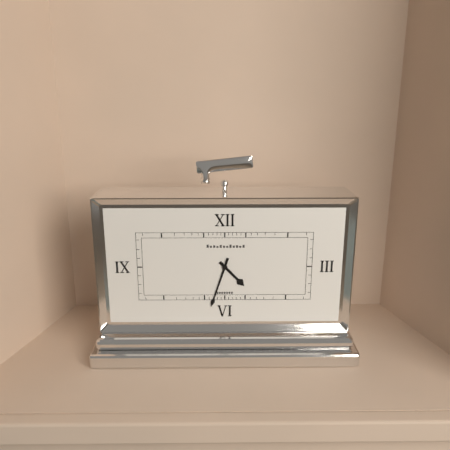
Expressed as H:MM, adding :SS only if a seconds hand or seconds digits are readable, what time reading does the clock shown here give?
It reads 4:33
